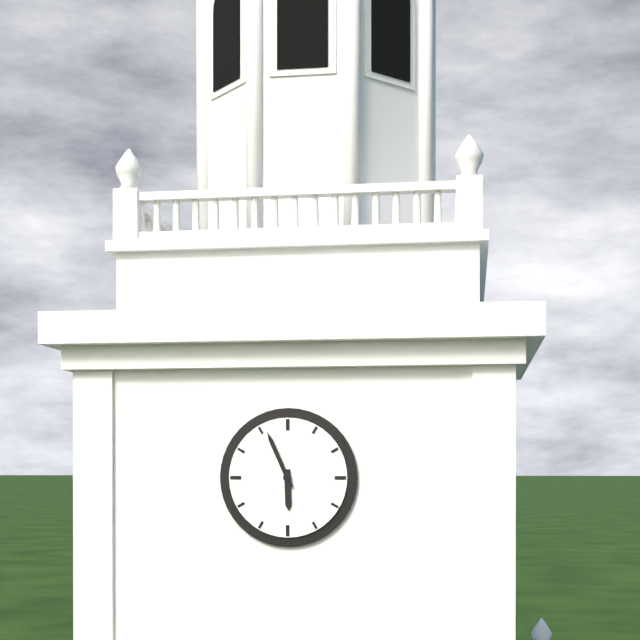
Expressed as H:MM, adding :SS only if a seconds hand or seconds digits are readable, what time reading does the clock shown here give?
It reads 5:56
